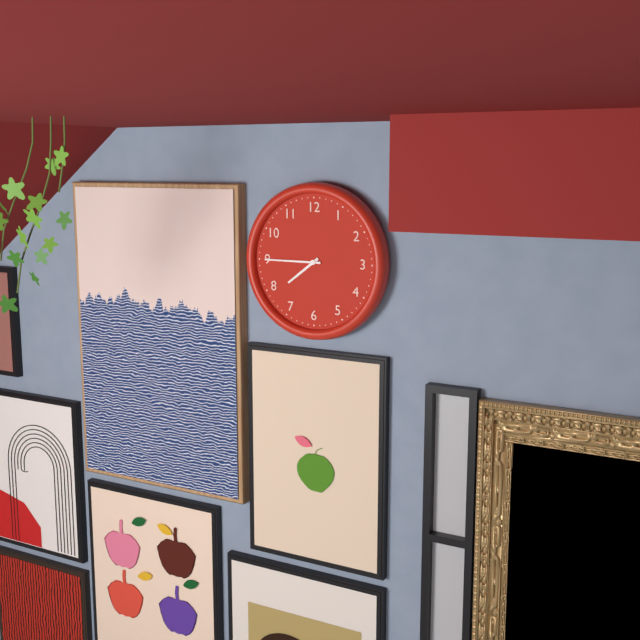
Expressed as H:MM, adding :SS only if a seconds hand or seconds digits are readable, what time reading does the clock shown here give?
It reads 7:45
